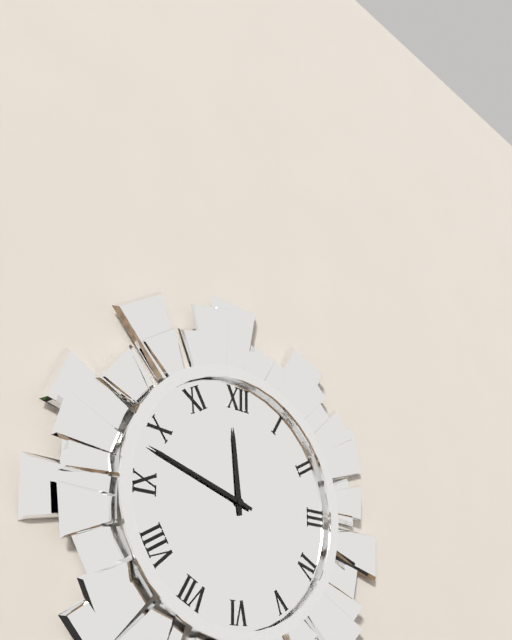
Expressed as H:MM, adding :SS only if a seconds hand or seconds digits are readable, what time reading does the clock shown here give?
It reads 11:48
